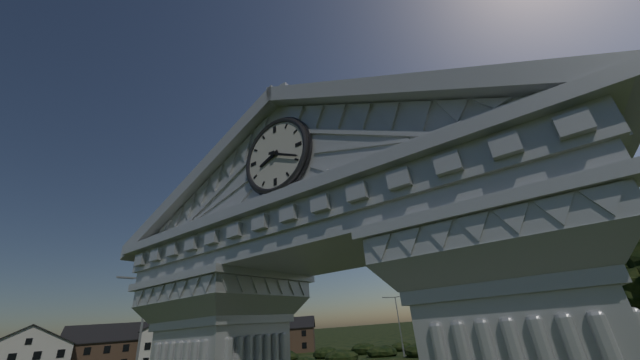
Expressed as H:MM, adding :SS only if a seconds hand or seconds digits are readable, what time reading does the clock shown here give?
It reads 8:19
